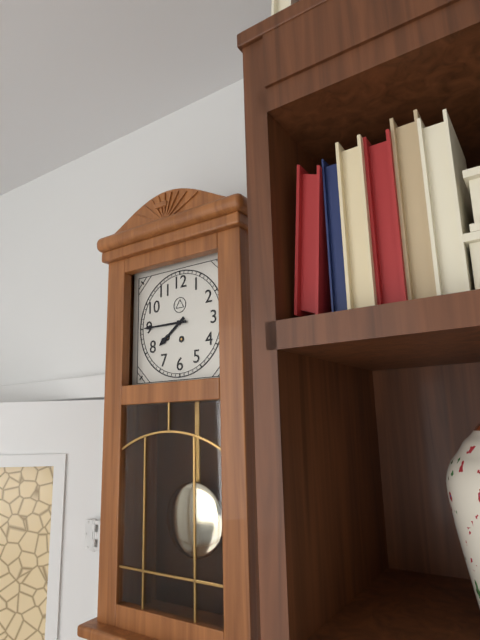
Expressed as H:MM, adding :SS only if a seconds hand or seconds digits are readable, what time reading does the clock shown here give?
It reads 7:45
